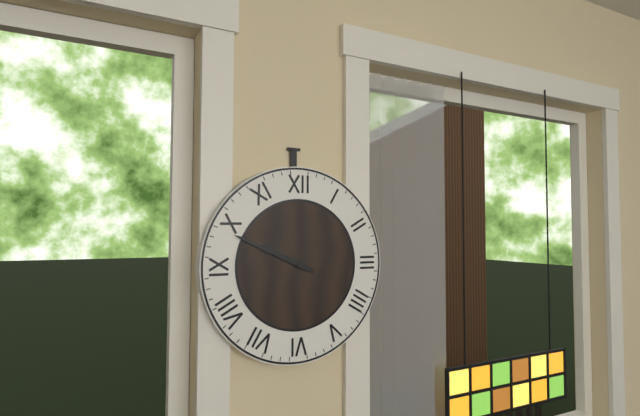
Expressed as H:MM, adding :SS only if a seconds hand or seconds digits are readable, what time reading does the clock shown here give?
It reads 9:49
